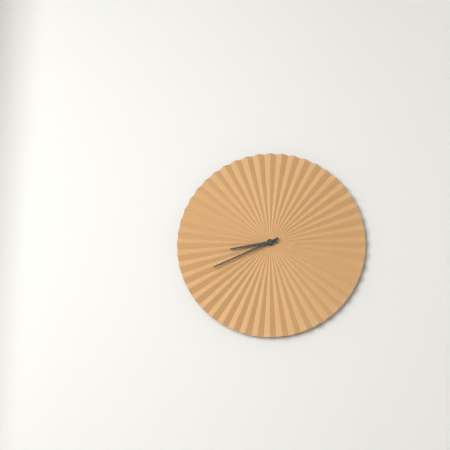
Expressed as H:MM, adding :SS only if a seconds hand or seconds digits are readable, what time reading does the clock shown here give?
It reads 8:41
